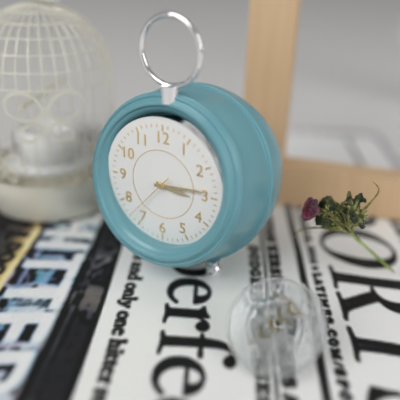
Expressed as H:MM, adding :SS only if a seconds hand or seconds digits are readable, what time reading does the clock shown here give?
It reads 3:14:37
